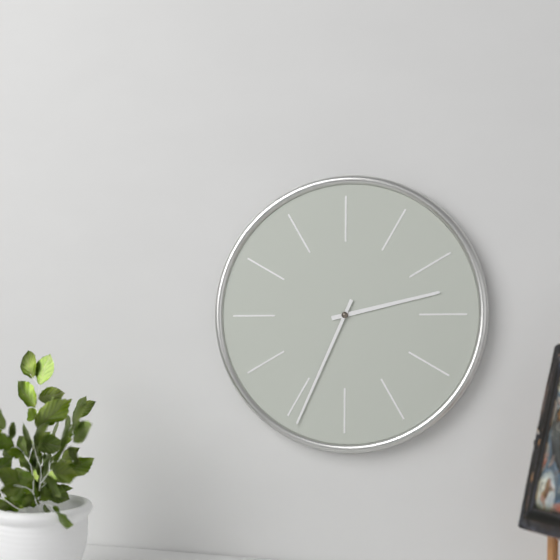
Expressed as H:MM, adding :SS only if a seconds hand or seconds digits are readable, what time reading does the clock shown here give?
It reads 2:34
